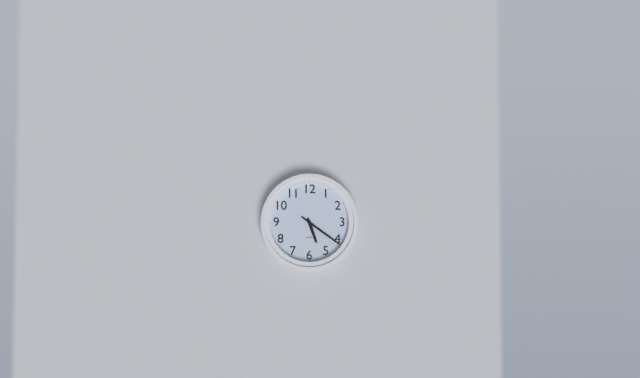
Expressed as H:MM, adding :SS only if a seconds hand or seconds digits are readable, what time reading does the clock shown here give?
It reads 5:21
